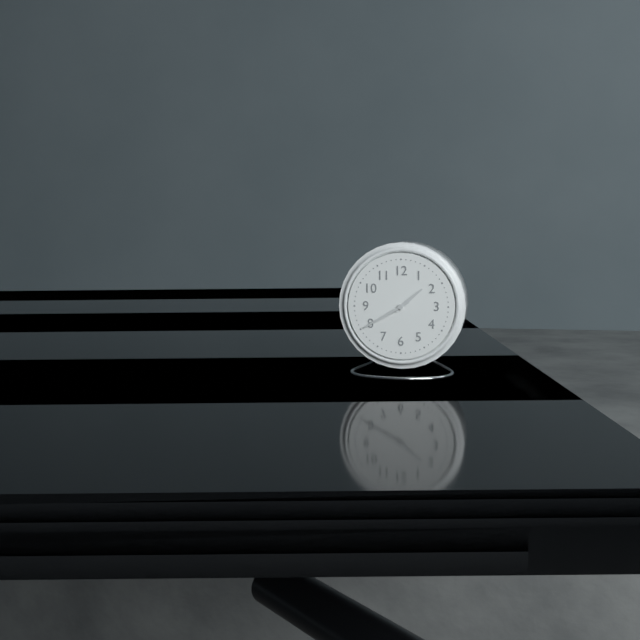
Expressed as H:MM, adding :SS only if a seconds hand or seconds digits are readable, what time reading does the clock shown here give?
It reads 1:40
